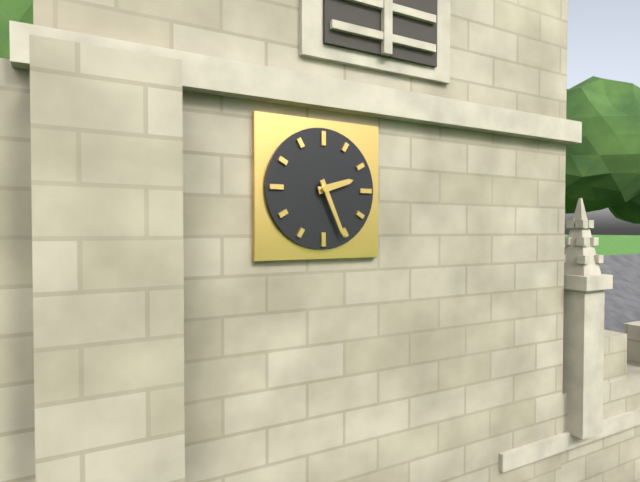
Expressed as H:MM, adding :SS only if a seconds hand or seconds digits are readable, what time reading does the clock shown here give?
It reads 2:26
